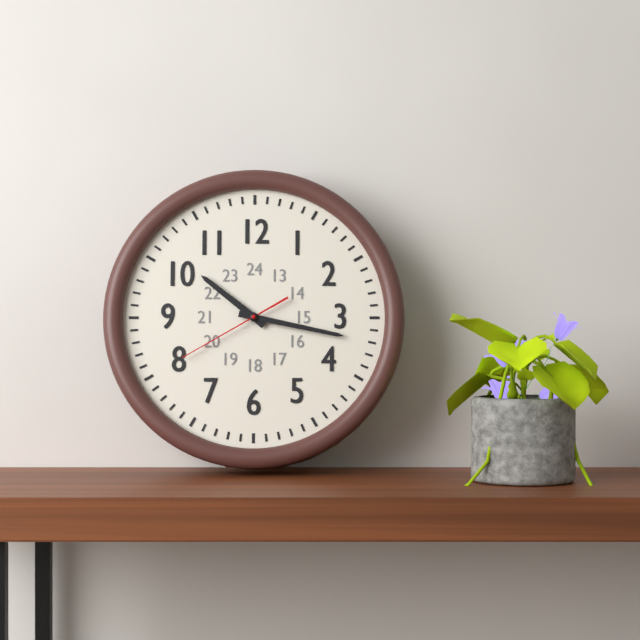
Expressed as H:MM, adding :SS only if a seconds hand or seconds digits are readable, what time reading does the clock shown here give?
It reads 10:17:40
